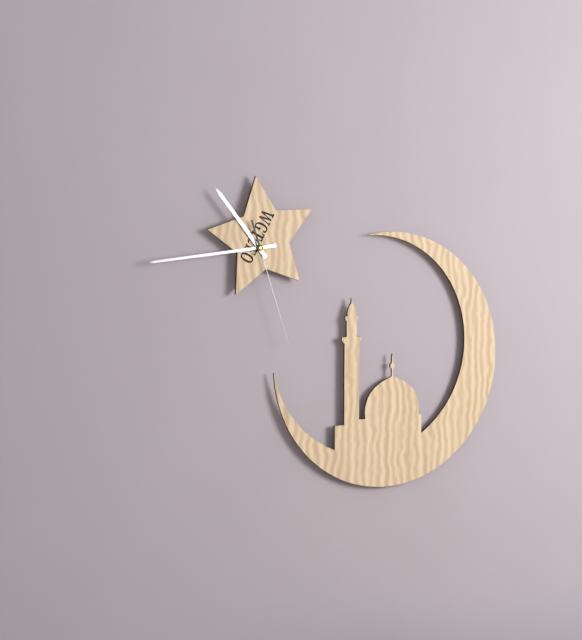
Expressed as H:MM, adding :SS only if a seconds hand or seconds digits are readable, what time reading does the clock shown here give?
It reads 10:44:27
